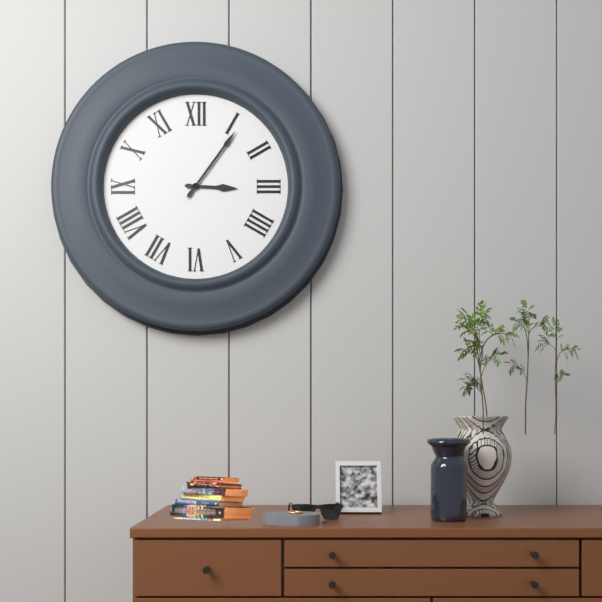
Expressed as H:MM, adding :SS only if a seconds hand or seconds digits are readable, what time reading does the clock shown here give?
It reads 3:06
